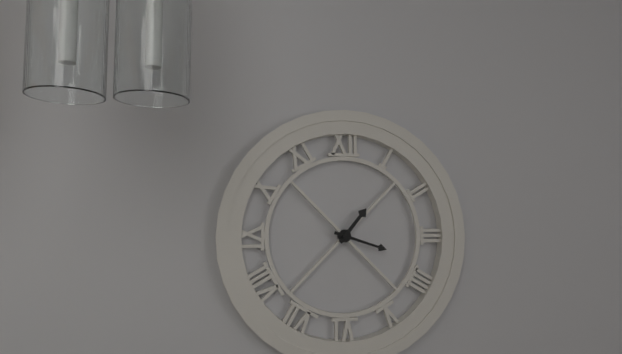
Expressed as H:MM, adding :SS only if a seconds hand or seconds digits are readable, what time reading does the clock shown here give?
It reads 1:18
